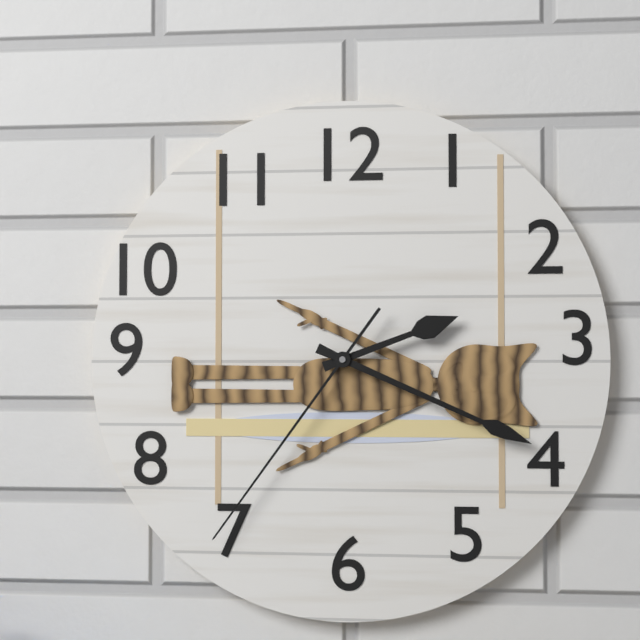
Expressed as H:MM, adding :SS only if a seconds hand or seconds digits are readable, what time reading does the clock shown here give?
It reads 2:19:36
